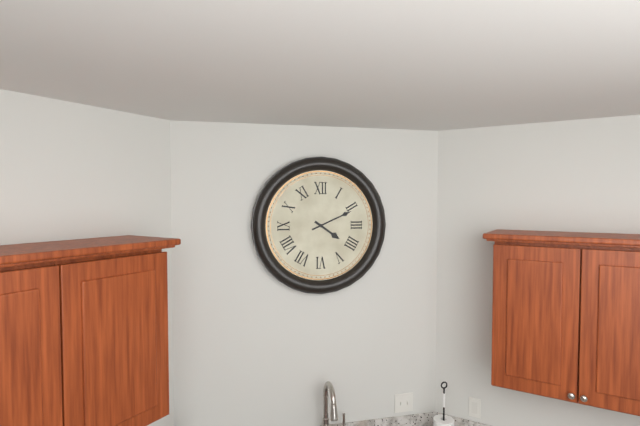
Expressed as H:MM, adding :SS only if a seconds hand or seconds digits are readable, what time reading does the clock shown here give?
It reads 4:11
